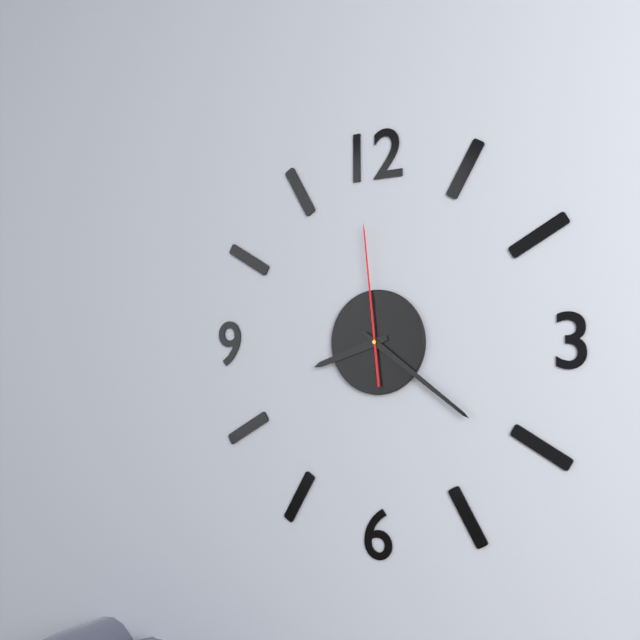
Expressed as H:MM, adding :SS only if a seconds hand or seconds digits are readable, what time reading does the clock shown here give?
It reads 8:21:59
